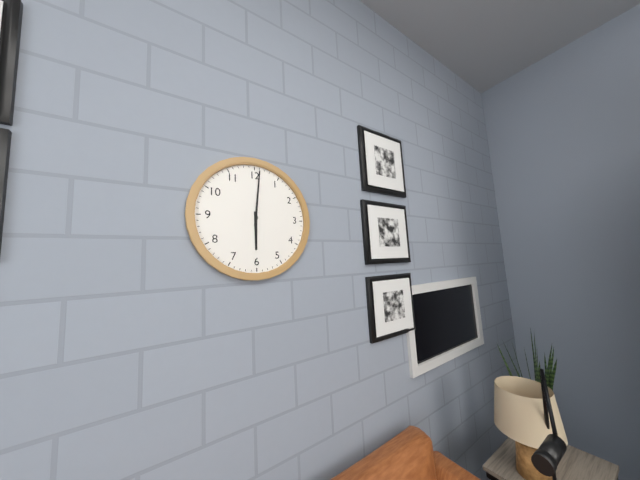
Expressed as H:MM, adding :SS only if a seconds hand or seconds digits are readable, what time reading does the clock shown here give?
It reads 6:01
